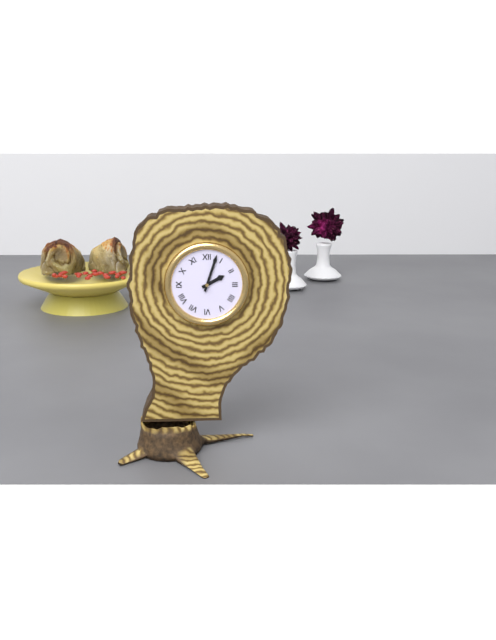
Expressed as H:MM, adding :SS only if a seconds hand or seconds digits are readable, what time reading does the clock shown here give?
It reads 2:03
